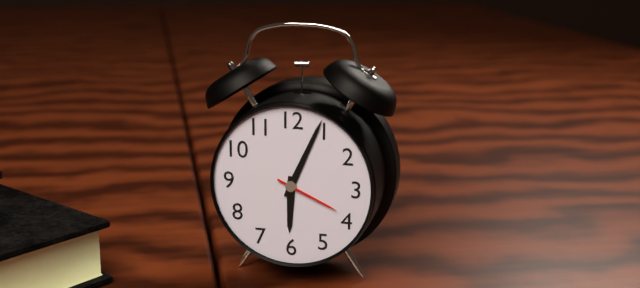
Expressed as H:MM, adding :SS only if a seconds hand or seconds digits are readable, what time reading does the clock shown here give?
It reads 6:04:19
